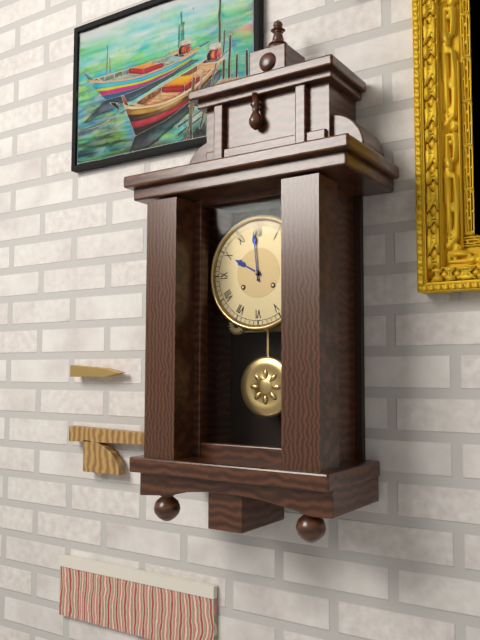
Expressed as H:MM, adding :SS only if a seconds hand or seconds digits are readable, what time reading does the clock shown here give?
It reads 9:59
